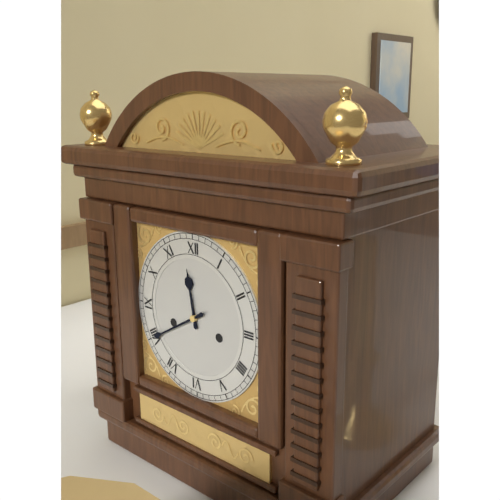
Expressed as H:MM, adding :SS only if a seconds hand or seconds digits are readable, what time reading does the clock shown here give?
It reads 11:40
